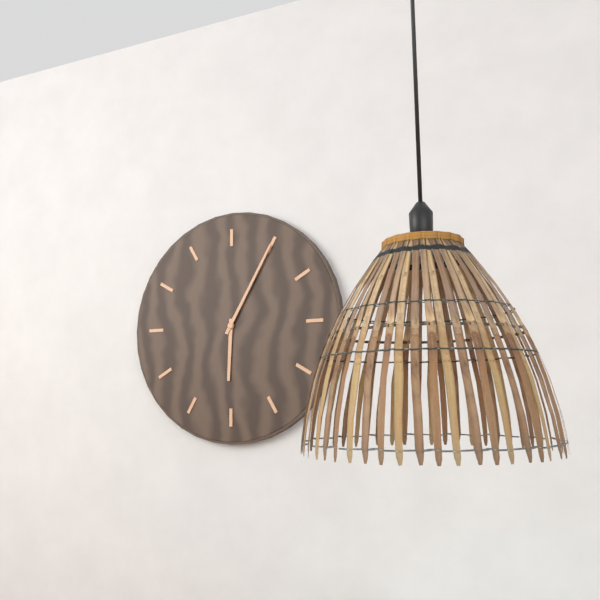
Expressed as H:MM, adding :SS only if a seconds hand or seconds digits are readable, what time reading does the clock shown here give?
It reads 6:05
